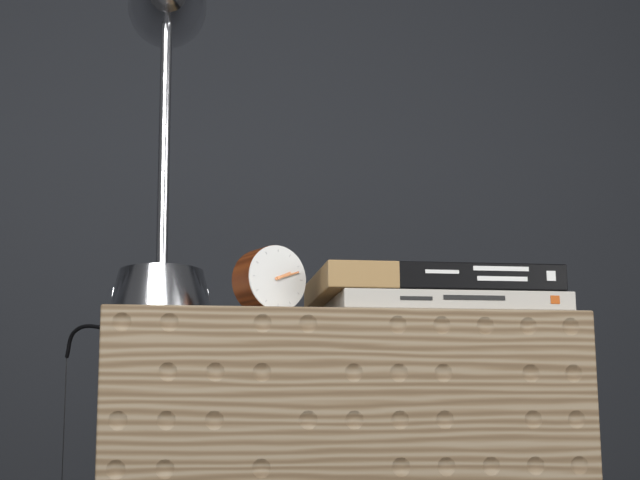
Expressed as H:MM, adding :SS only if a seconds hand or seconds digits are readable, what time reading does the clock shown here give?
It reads 2:12
